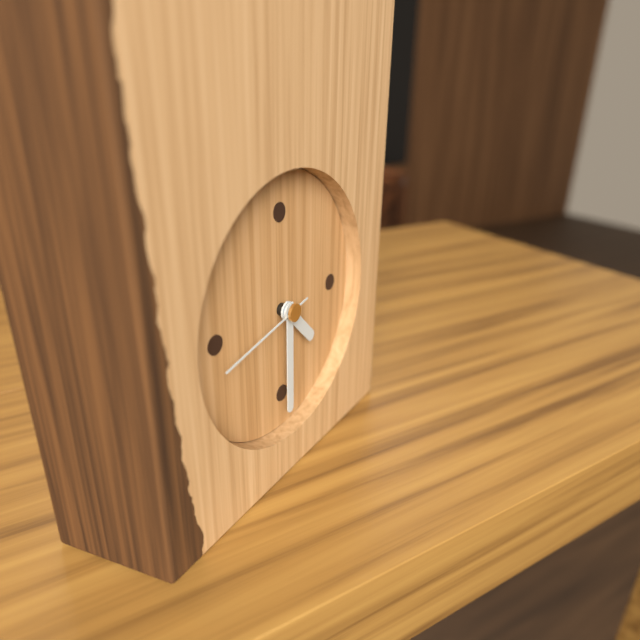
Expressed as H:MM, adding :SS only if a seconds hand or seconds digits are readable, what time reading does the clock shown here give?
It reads 4:30:43
